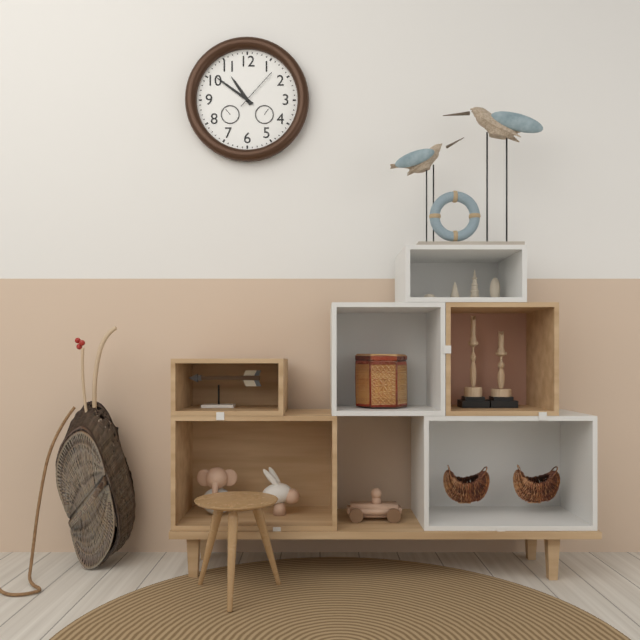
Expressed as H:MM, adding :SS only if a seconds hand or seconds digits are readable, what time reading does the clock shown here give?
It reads 10:51
